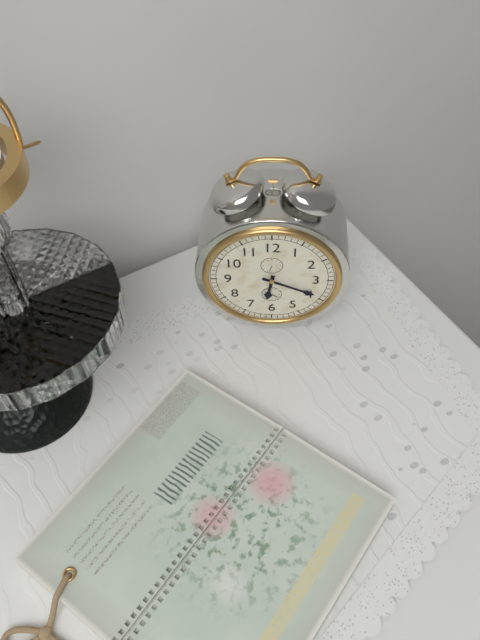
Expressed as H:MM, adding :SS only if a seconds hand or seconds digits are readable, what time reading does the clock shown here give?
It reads 6:19
